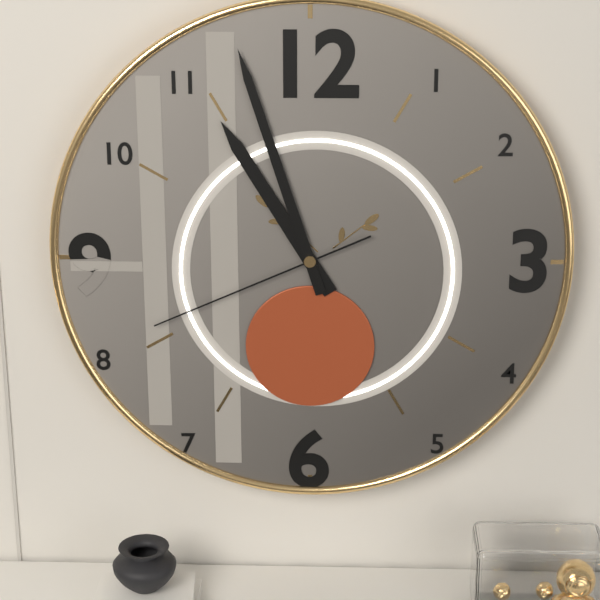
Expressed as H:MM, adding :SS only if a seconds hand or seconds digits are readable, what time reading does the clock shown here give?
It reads 10:57:41
